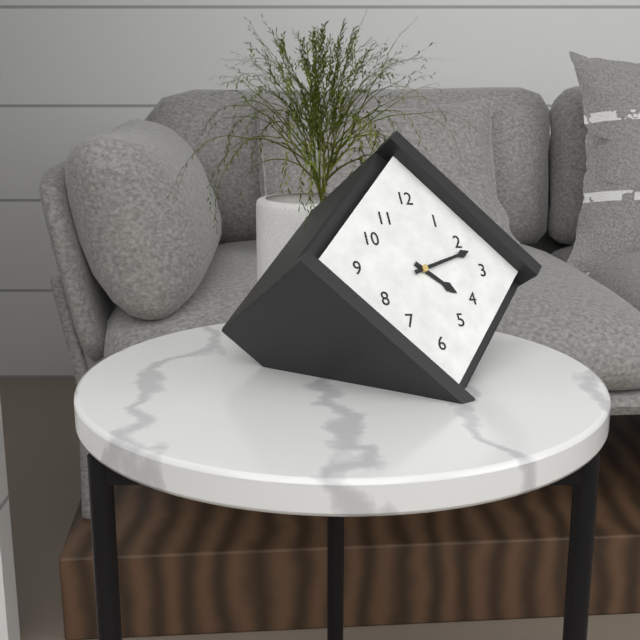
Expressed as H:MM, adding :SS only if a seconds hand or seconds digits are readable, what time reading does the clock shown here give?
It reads 4:12
